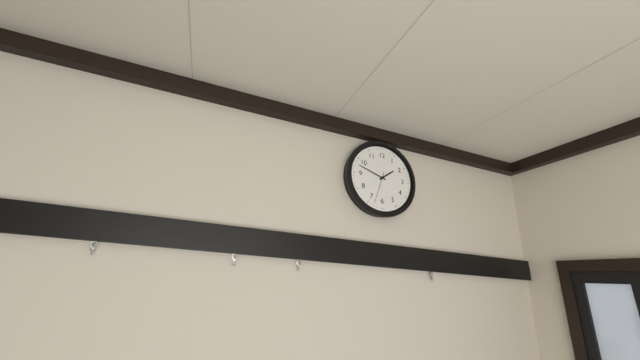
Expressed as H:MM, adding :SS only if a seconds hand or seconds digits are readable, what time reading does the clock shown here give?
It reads 1:48
